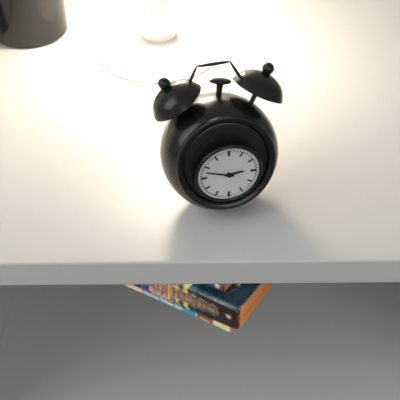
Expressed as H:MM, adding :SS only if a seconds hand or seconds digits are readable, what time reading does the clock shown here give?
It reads 2:48
